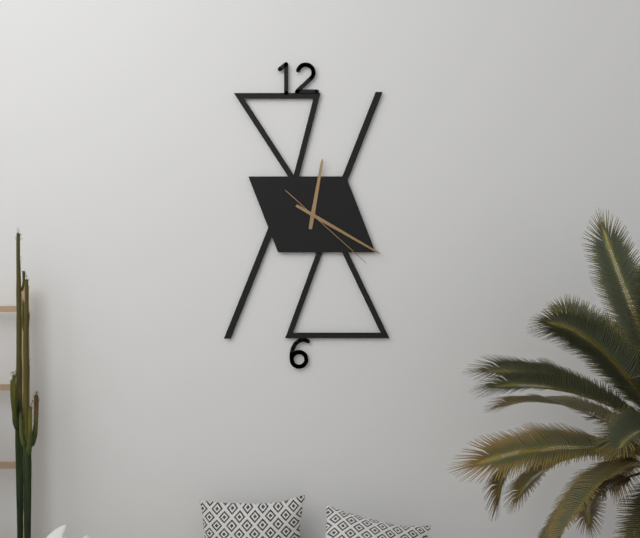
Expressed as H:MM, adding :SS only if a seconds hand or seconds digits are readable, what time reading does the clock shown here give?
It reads 12:20:22
